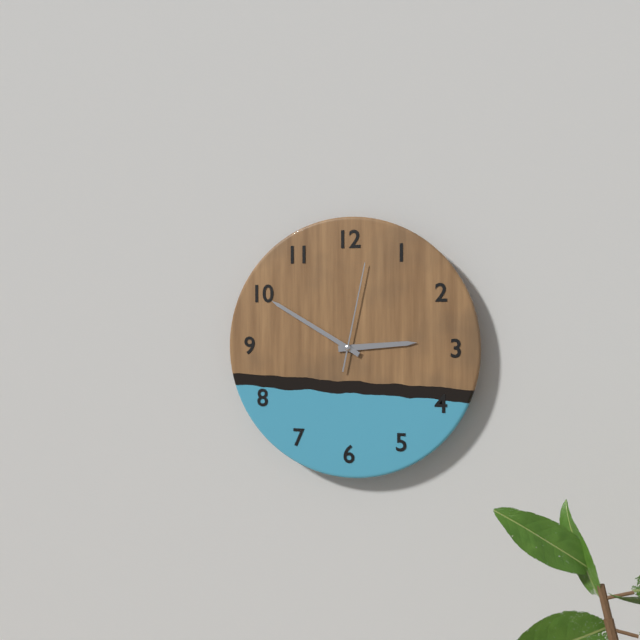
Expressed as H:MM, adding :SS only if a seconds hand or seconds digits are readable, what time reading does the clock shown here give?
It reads 2:50:02
